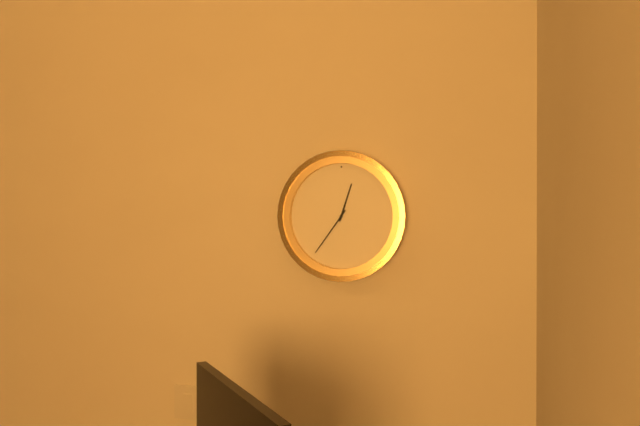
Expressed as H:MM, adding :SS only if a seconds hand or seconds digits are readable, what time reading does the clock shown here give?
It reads 12:36
